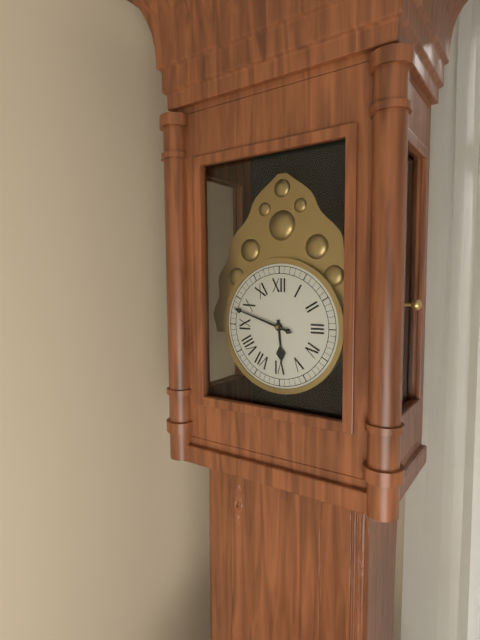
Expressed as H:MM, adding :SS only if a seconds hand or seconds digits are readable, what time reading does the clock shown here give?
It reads 5:48
